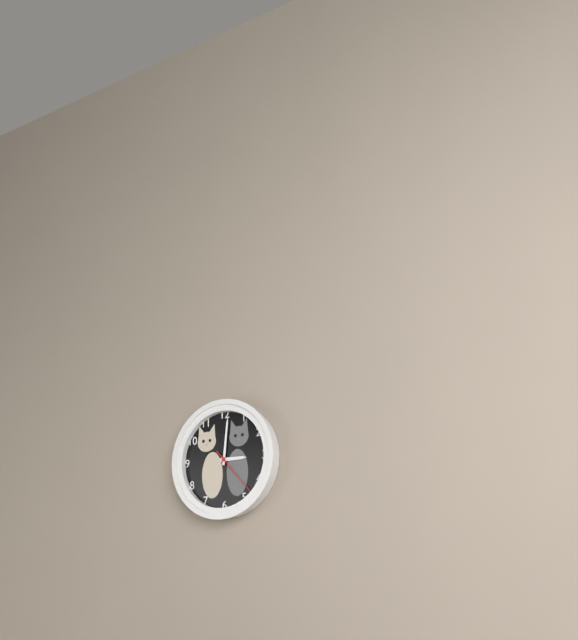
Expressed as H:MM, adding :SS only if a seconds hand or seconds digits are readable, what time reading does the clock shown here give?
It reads 3:01:23
